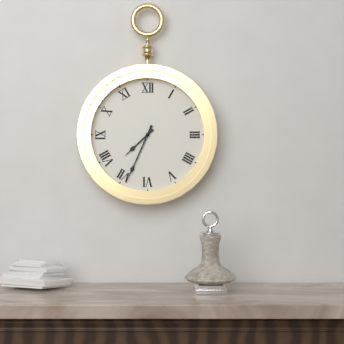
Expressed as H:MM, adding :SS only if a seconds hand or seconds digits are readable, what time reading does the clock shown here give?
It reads 7:34
